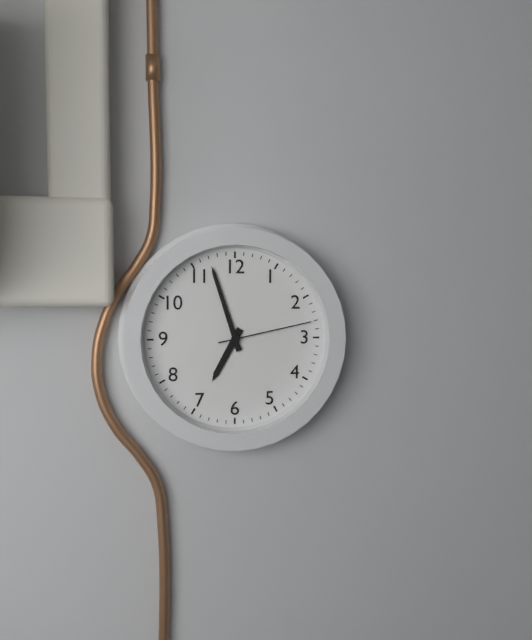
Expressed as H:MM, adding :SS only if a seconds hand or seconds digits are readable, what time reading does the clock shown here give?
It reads 6:57:13
